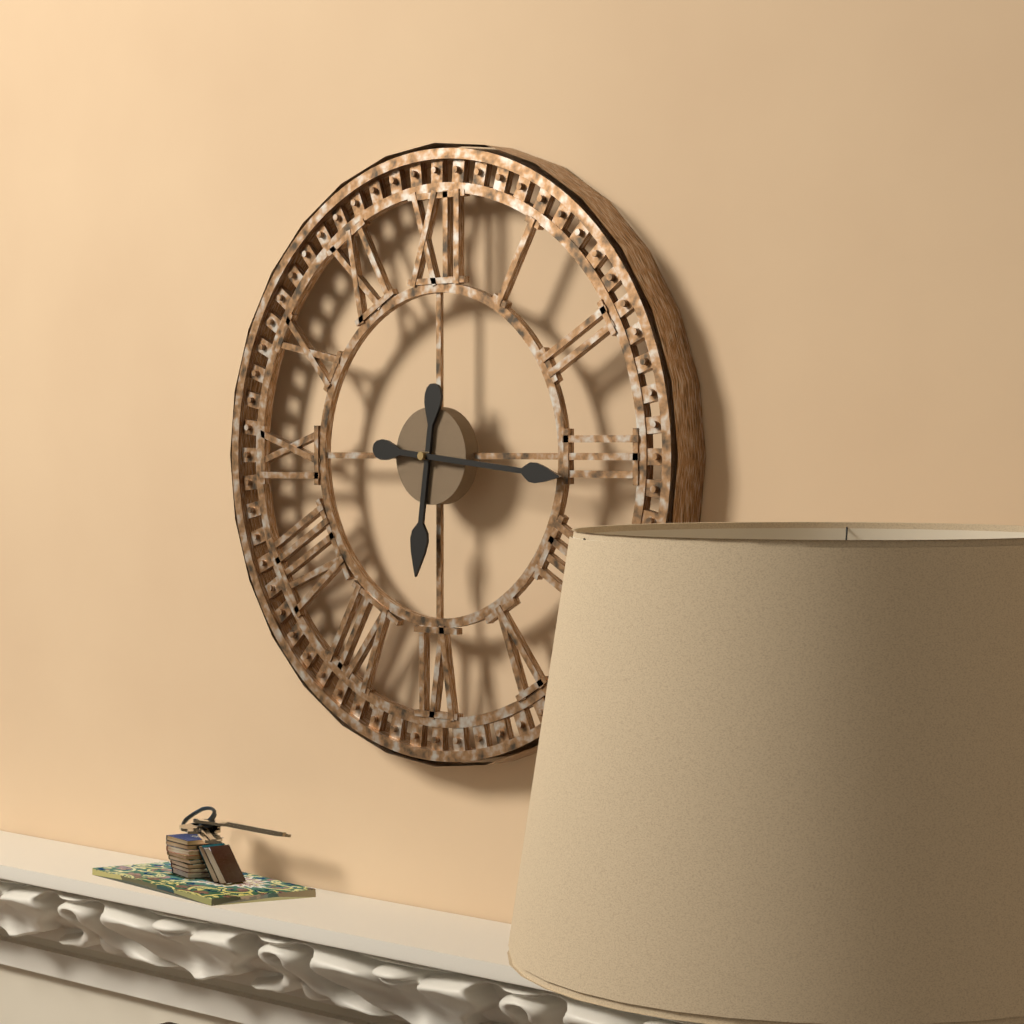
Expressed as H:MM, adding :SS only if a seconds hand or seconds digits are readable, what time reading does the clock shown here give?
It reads 6:16
